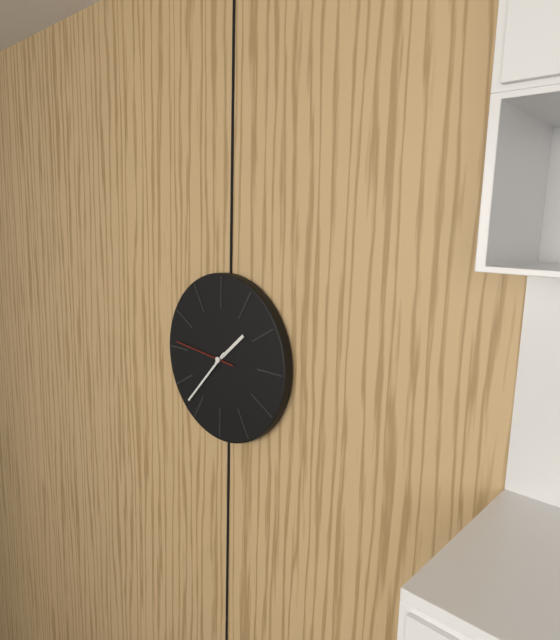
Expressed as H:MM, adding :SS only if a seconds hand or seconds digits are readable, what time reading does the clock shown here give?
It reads 1:37:46
